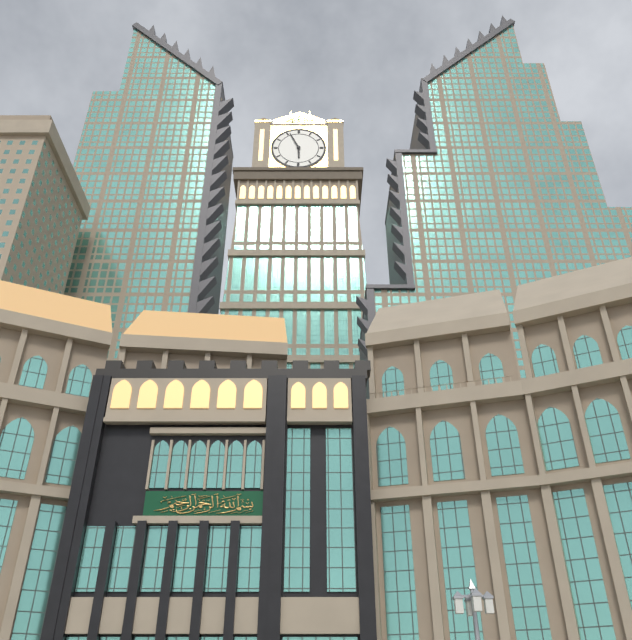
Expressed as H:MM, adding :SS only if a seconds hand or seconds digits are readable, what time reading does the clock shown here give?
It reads 5:56
